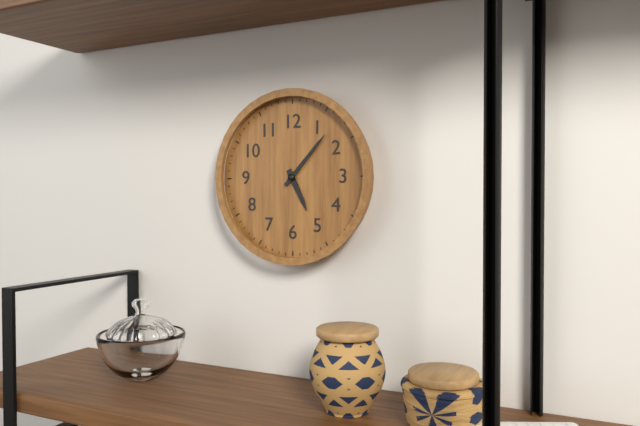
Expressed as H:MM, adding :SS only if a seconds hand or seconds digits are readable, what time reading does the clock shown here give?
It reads 5:07
